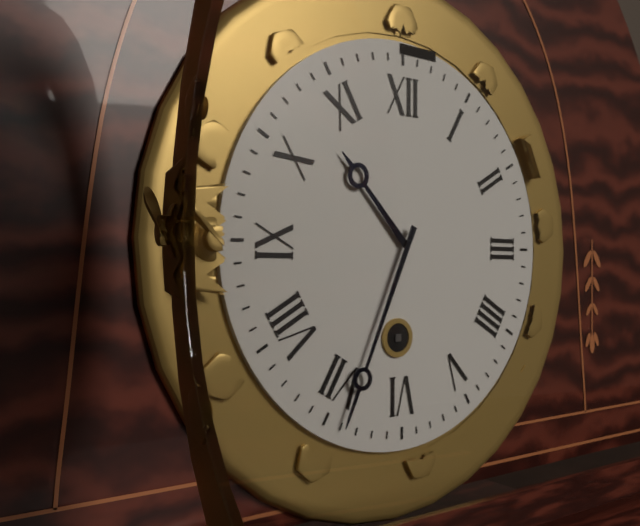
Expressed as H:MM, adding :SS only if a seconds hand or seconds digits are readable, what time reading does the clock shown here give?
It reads 10:34
